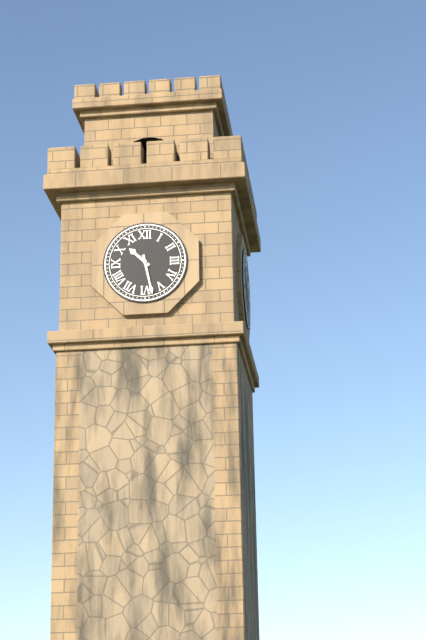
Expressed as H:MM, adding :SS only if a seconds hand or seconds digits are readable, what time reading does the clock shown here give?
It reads 10:28
